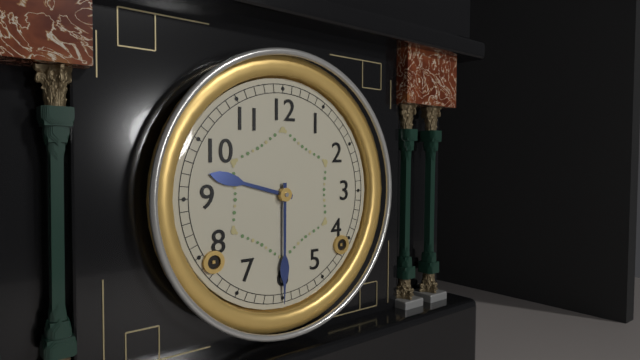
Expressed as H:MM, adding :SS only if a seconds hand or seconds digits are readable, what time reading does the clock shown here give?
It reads 9:30
